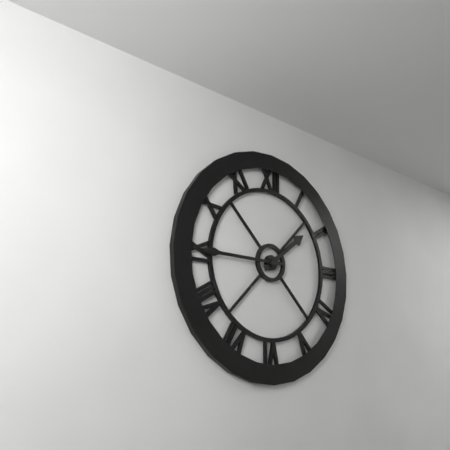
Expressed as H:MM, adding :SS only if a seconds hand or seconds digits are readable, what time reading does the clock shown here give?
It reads 1:45
